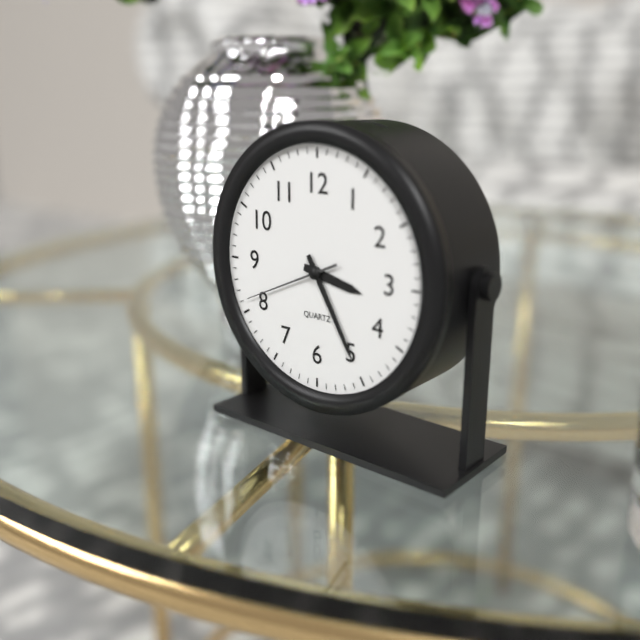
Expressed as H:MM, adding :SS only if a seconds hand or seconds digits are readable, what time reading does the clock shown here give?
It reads 3:25:41
